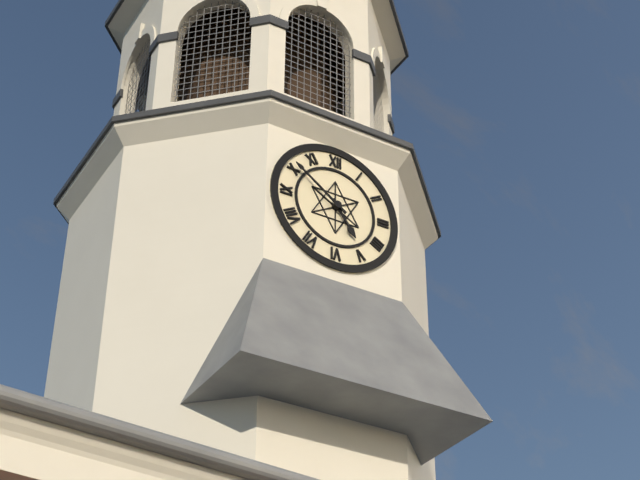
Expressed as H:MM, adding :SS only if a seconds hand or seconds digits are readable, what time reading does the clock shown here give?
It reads 4:51
